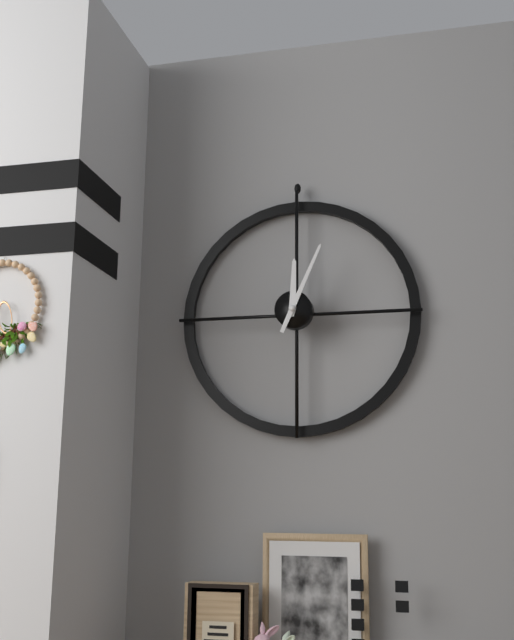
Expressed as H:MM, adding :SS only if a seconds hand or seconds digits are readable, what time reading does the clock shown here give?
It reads 12:04
